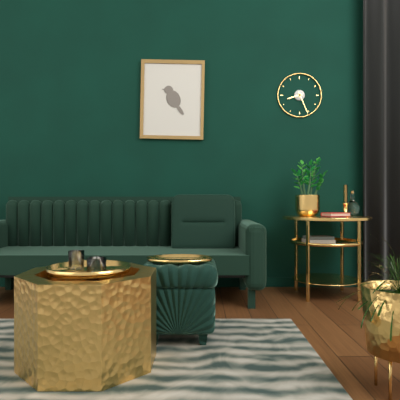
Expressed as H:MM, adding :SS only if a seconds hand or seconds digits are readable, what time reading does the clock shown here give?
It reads 8:26
